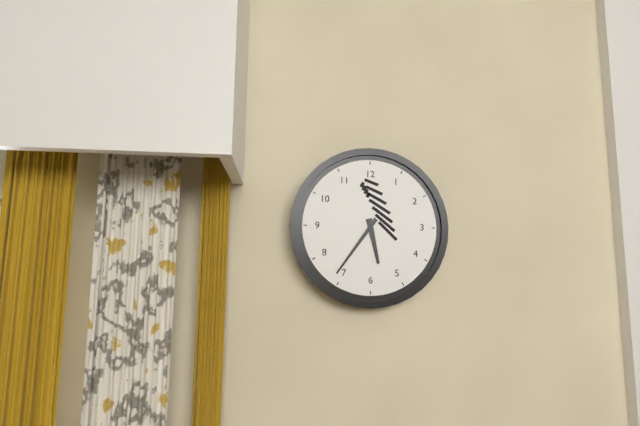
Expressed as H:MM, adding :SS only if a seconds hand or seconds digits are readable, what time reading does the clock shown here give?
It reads 5:36
